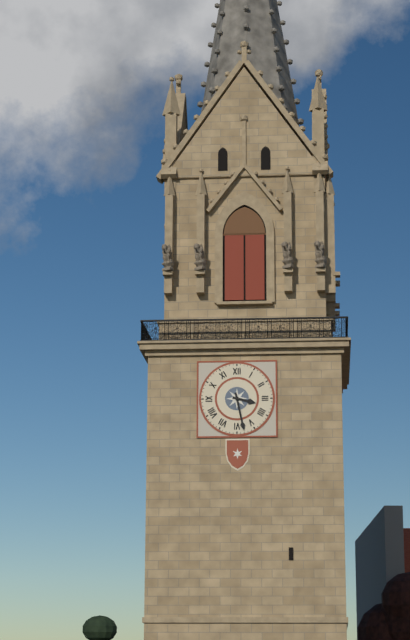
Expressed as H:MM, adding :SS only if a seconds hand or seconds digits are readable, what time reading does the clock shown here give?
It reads 3:28
